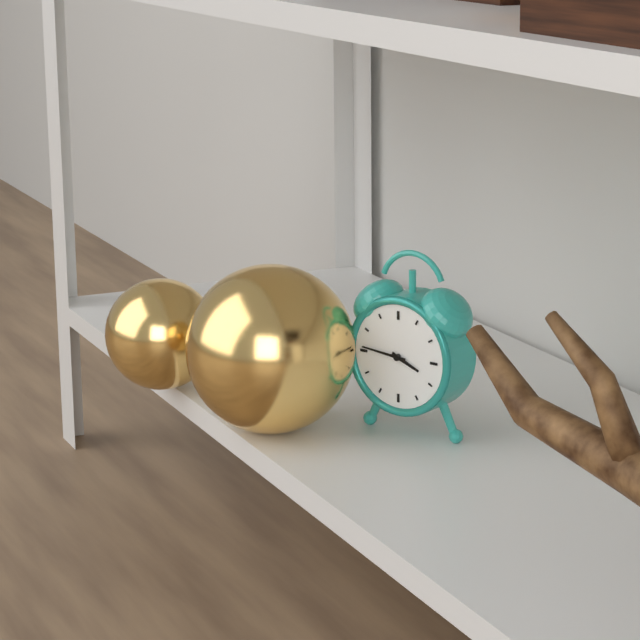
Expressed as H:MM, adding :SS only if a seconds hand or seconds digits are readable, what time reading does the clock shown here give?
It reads 3:46
